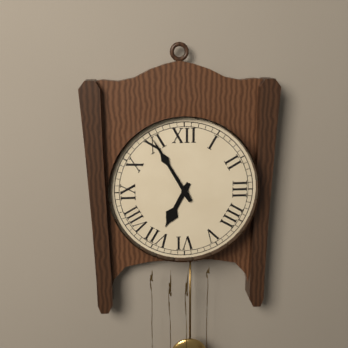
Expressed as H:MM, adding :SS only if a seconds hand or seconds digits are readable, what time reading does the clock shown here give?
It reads 6:55
